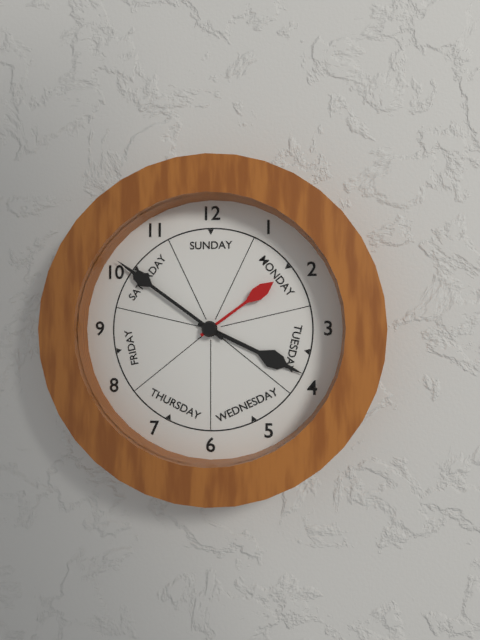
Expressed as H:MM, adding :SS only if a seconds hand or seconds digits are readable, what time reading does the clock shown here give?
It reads 3:51:09
